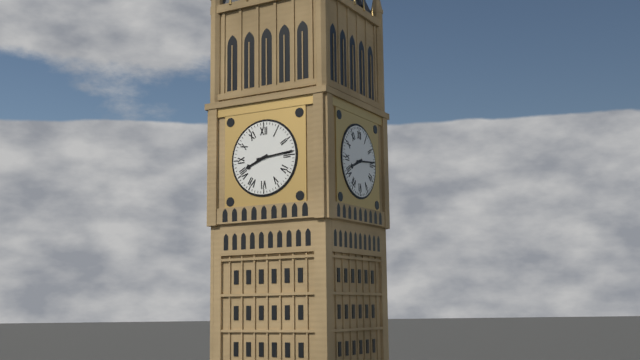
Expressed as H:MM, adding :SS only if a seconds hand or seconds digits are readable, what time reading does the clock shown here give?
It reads 8:14
